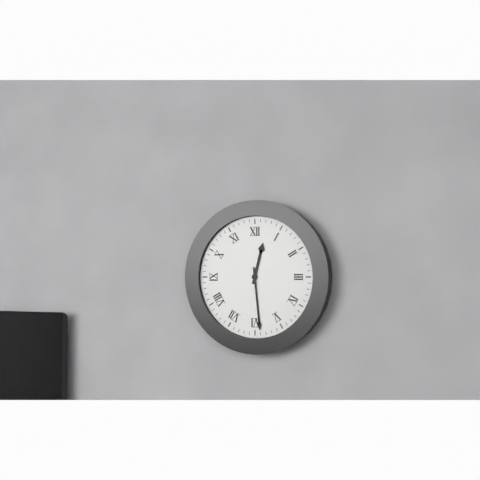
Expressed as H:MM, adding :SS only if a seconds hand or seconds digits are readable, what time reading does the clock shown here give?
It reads 12:29
